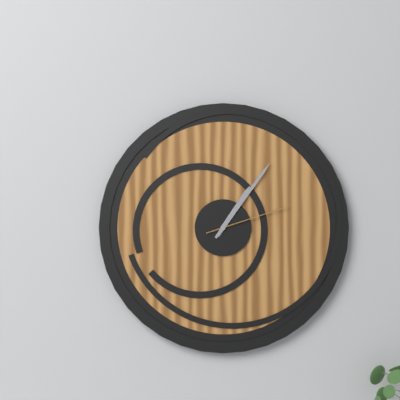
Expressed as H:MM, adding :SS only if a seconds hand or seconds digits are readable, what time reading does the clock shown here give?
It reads 1:06:12
